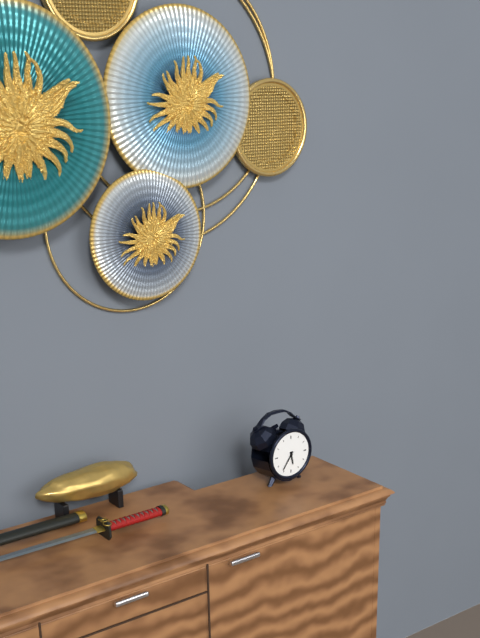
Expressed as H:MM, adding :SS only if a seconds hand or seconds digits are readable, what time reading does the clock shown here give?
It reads 5:36
